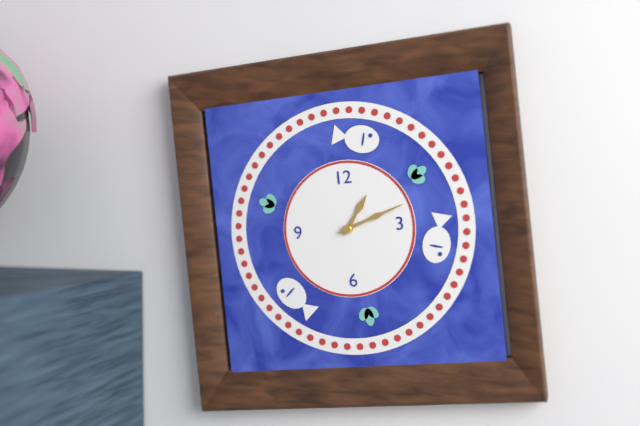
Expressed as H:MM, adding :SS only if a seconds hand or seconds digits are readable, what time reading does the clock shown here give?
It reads 1:12
